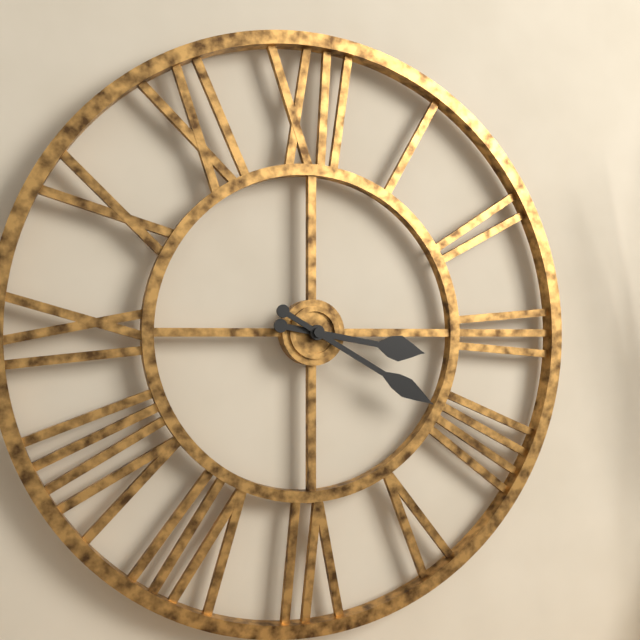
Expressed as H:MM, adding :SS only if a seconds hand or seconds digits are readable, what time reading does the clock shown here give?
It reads 3:20
